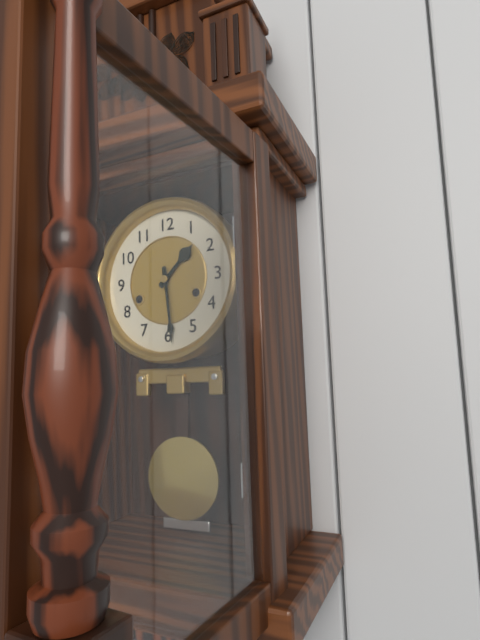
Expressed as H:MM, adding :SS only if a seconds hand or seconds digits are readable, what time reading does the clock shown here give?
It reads 1:29
